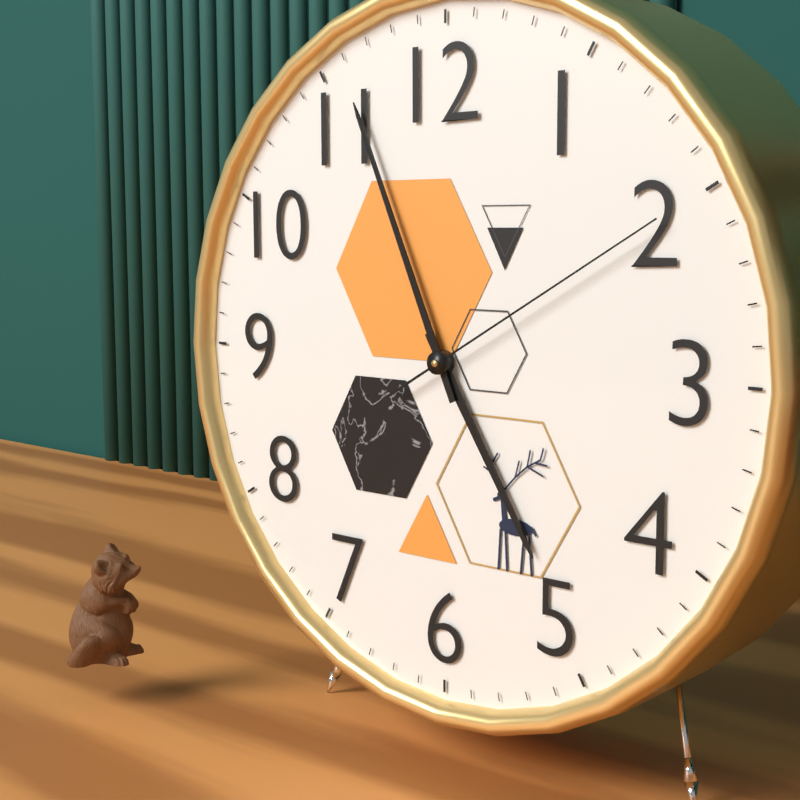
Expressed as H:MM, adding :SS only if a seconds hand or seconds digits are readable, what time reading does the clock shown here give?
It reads 4:56:10
